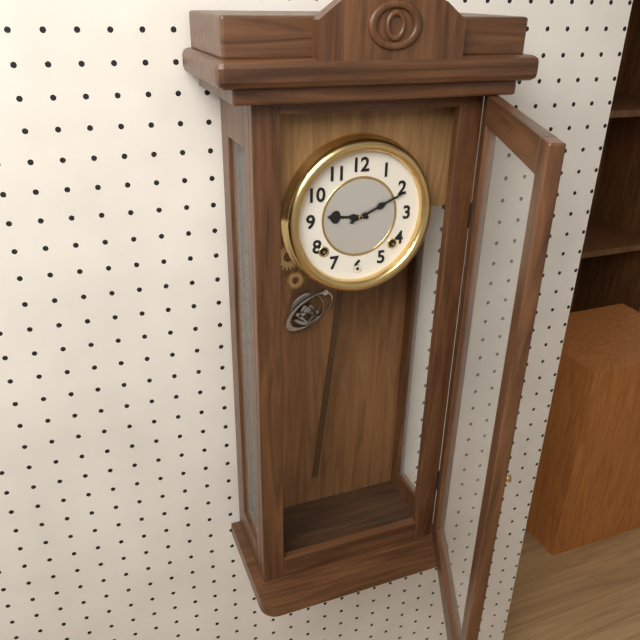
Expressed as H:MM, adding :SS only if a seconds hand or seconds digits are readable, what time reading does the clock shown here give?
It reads 9:11
